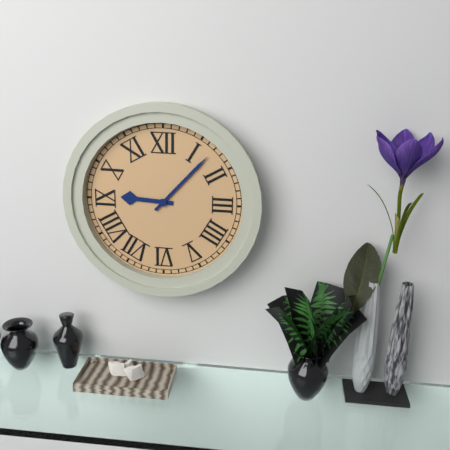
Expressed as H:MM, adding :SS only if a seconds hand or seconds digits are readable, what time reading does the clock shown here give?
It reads 9:07
